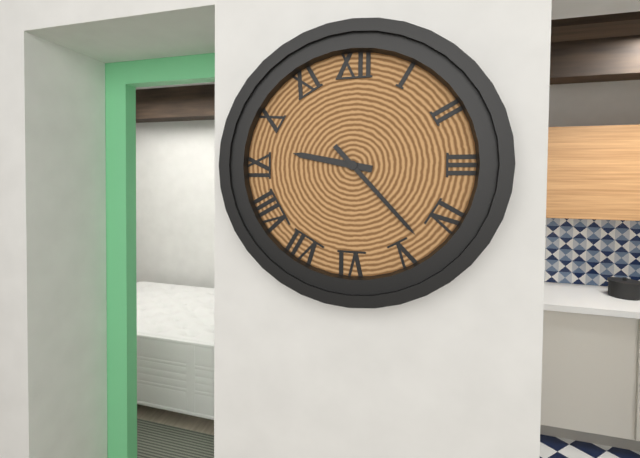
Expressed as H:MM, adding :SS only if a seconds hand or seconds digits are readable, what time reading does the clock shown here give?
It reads 9:23
